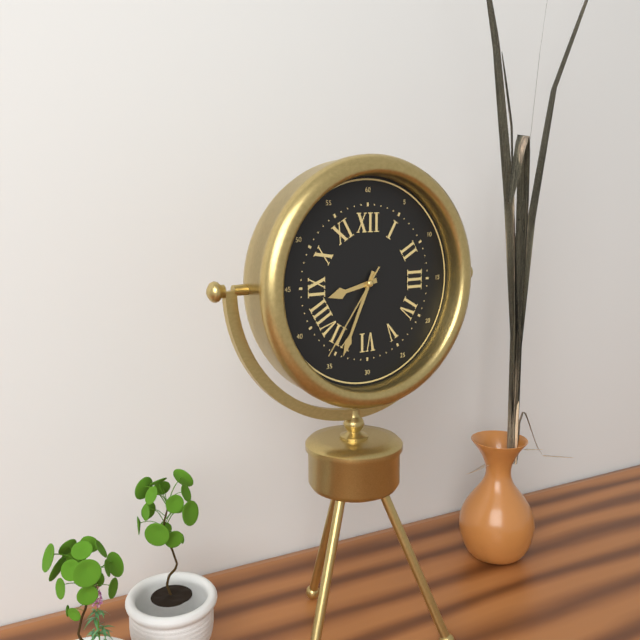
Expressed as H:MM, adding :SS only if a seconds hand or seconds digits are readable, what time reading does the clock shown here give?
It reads 8:34:36
